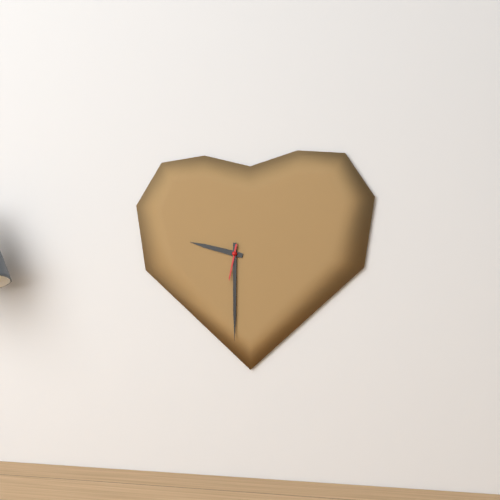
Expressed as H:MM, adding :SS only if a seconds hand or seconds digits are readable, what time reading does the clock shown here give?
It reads 9:30
